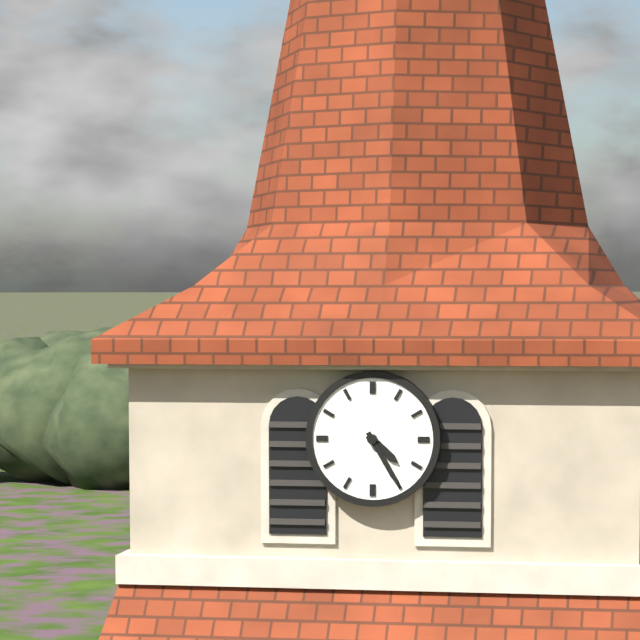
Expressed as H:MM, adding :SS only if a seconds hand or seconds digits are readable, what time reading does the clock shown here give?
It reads 4:25
